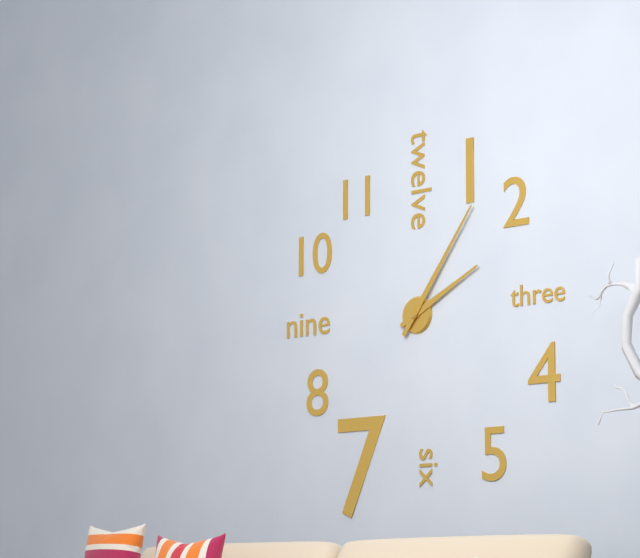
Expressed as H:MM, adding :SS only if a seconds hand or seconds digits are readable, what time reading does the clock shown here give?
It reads 2:06
